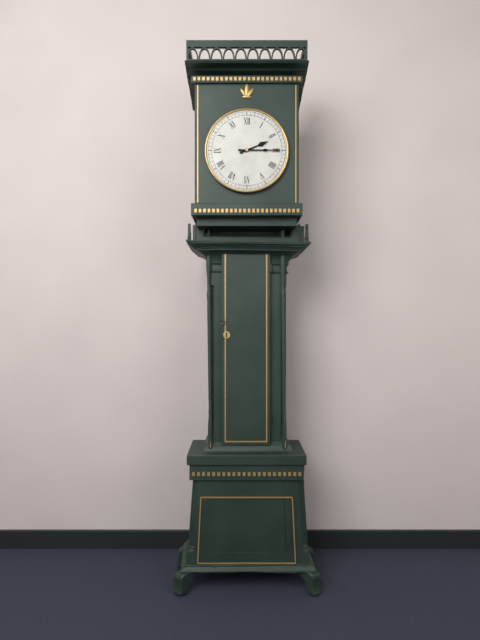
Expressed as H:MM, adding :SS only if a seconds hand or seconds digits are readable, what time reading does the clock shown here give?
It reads 2:15
